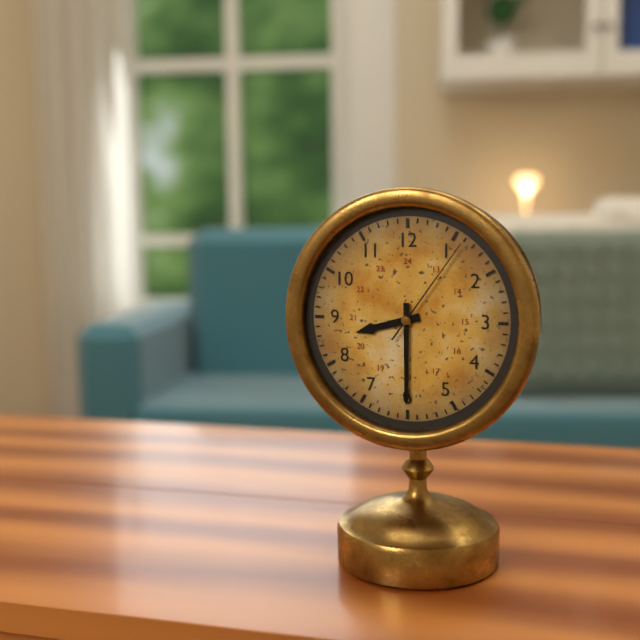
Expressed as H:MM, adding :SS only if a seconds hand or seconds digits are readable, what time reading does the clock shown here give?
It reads 8:30:06
